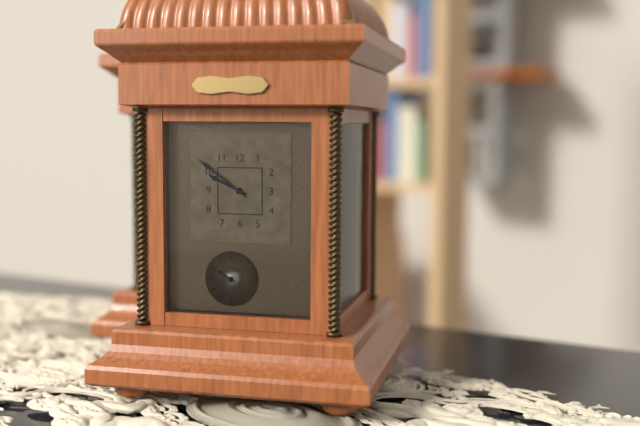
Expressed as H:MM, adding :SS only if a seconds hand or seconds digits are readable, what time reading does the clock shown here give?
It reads 9:51
